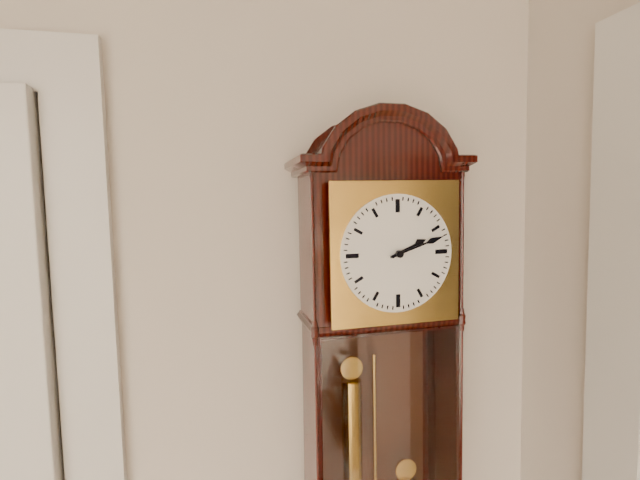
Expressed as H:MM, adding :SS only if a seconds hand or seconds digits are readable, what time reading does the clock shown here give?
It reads 2:12
